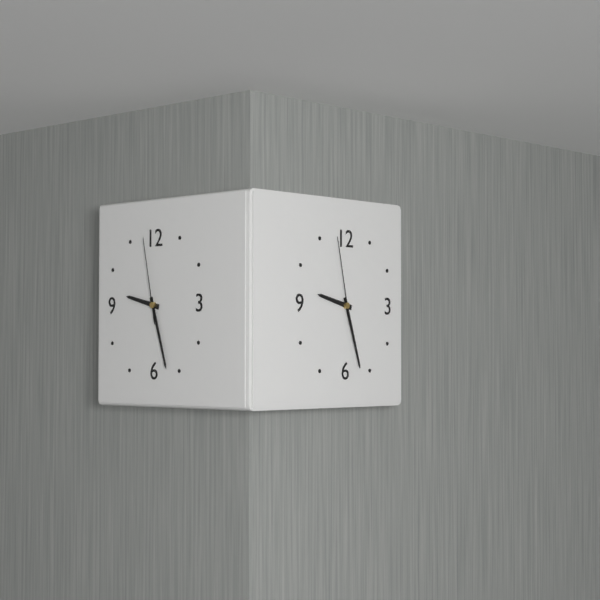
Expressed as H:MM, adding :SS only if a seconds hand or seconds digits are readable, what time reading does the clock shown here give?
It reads 9:27:58
